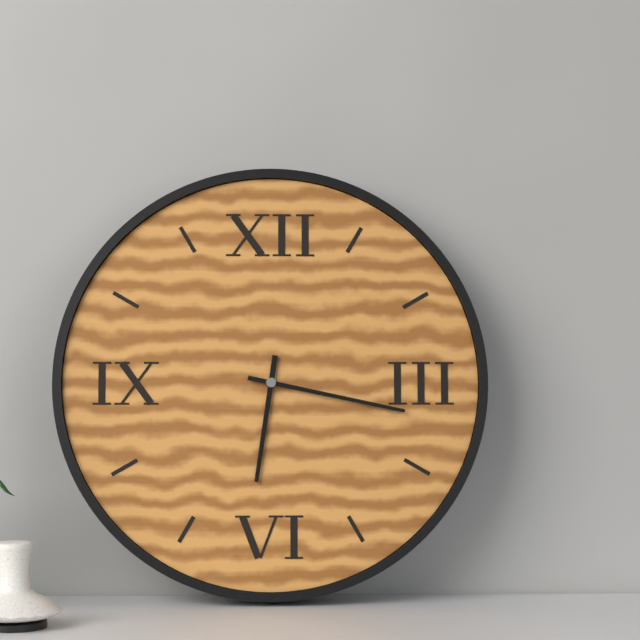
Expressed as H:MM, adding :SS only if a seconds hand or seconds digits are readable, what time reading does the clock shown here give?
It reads 6:17
